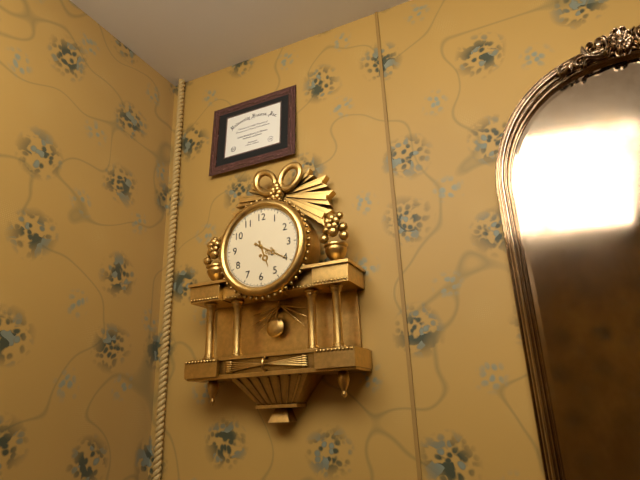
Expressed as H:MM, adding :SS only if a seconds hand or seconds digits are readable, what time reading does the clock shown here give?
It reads 5:20
